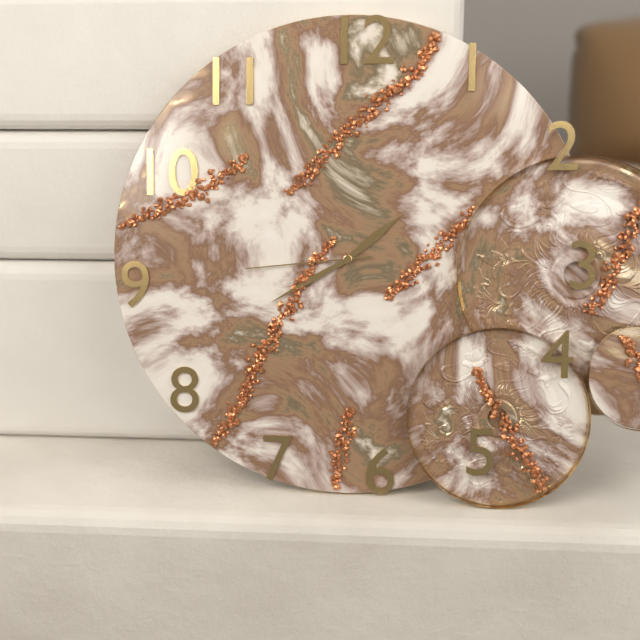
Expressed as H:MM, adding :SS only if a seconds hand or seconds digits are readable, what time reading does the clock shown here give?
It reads 1:40:44
